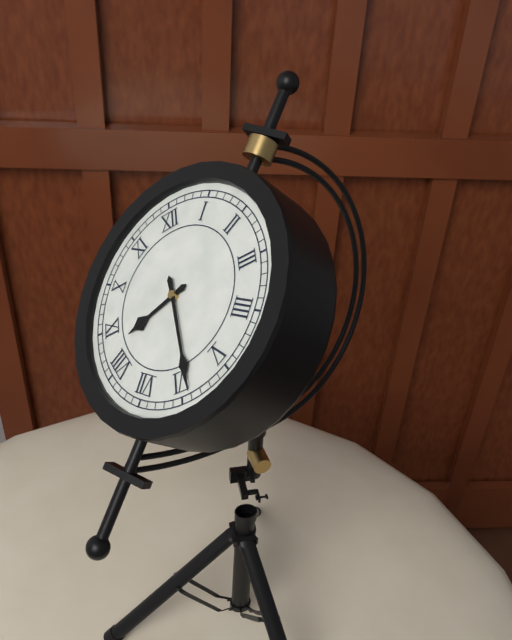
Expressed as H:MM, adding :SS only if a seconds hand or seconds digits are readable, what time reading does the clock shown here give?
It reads 8:29
